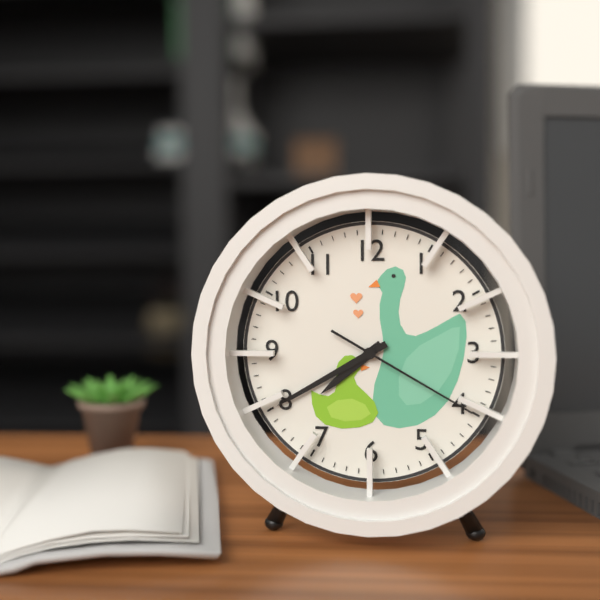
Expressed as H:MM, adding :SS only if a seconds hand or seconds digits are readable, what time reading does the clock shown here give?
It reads 7:40:20
